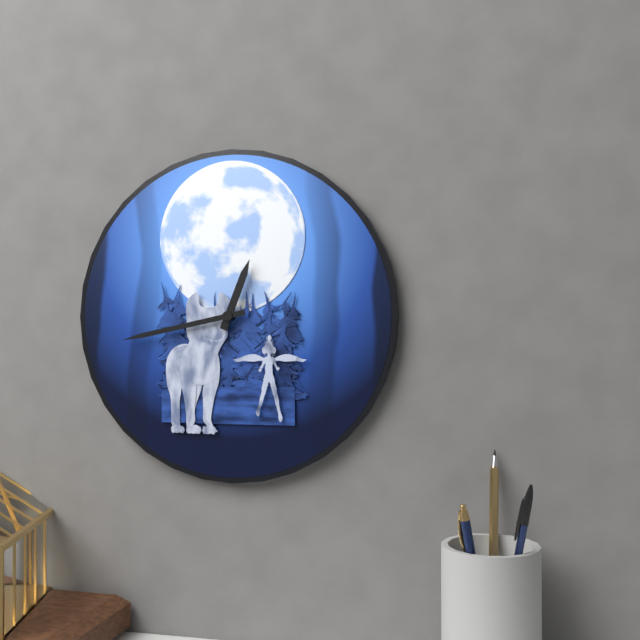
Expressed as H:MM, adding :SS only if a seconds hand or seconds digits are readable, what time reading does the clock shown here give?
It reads 12:43
